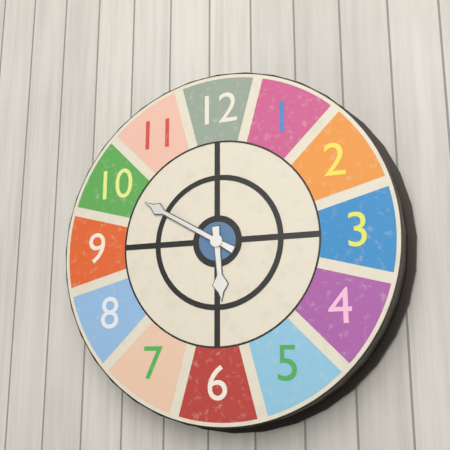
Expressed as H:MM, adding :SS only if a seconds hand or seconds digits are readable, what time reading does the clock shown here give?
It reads 5:50
